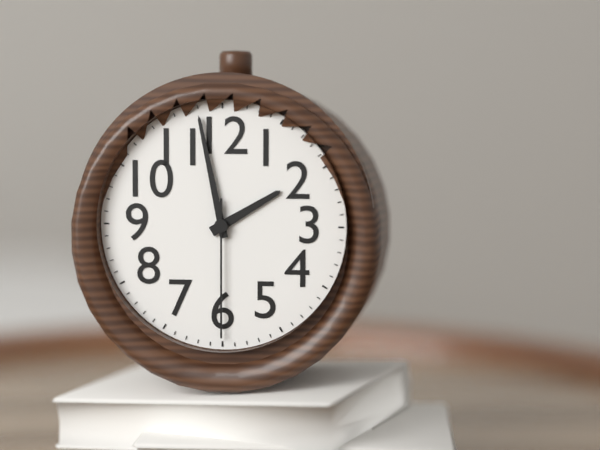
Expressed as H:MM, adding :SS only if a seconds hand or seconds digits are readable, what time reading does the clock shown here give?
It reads 1:58:30
